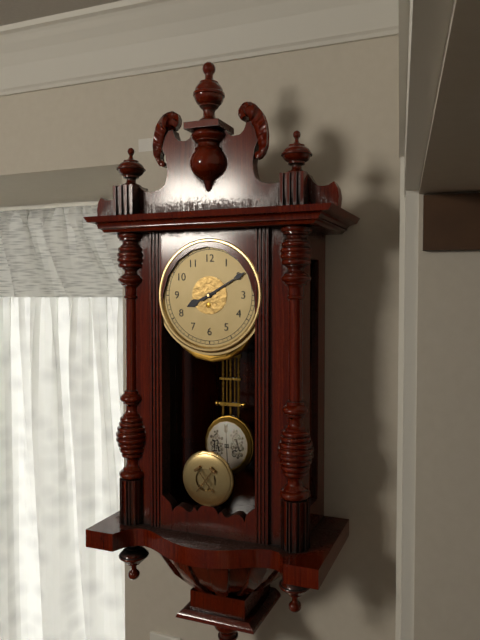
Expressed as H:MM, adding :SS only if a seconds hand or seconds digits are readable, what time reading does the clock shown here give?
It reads 8:10
